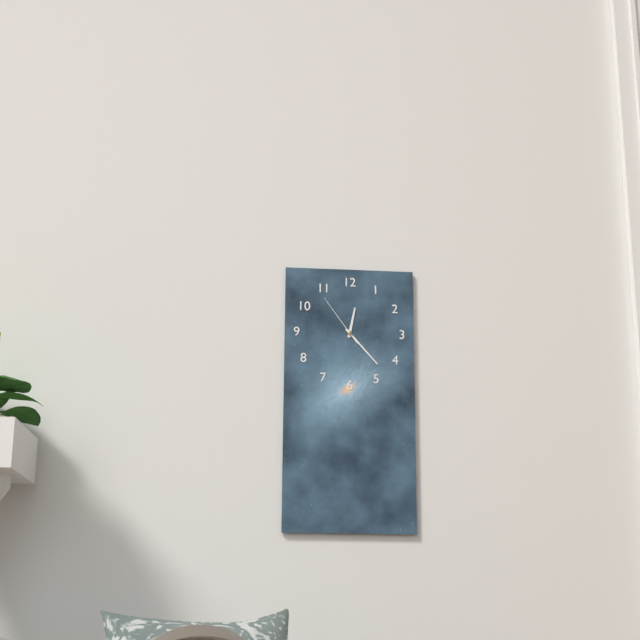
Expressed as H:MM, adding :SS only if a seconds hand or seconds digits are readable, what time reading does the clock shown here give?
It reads 12:23:54
